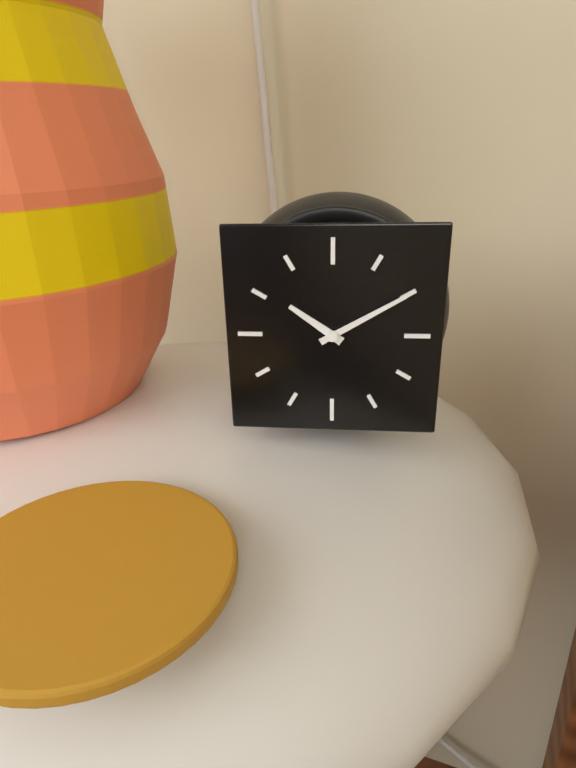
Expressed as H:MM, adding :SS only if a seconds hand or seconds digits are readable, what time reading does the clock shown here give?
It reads 10:10
